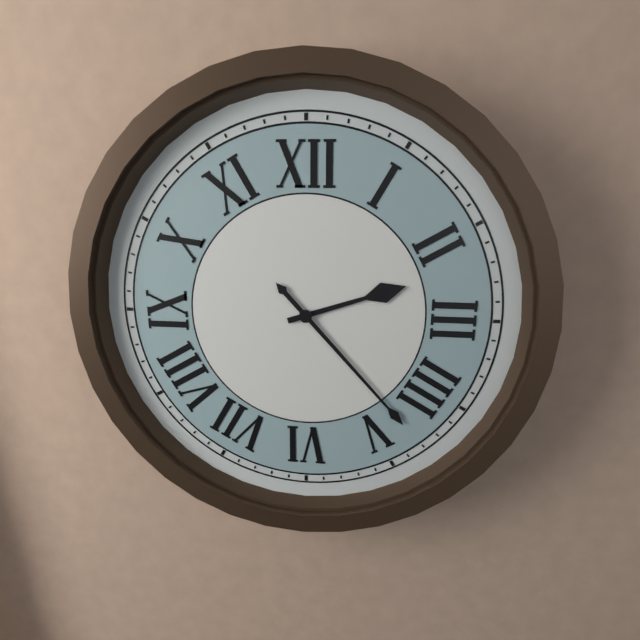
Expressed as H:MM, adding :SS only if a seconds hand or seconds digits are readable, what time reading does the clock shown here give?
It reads 2:23
